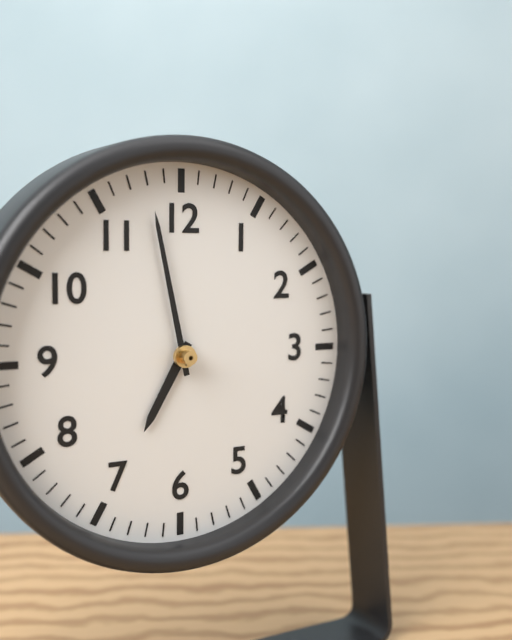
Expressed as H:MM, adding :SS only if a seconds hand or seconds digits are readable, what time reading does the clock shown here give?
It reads 6:58
